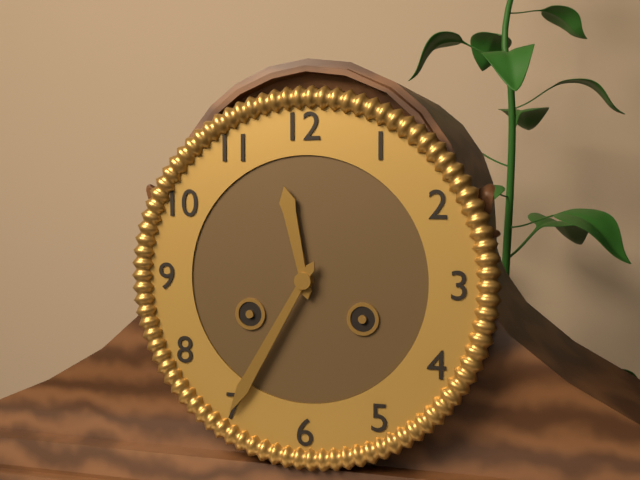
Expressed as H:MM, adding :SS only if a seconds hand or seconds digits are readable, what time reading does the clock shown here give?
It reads 11:35
